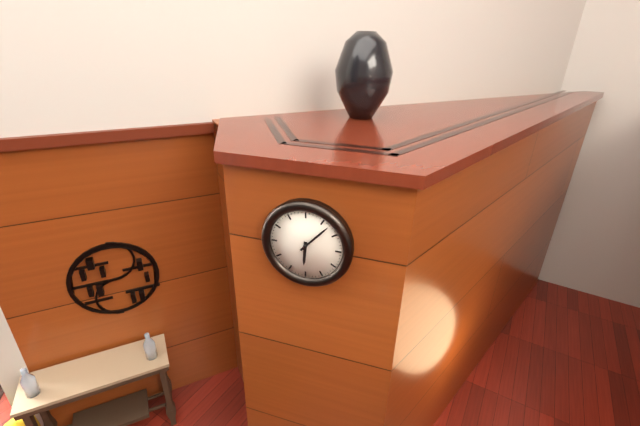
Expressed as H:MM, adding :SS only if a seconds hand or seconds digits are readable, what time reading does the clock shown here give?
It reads 6:07
